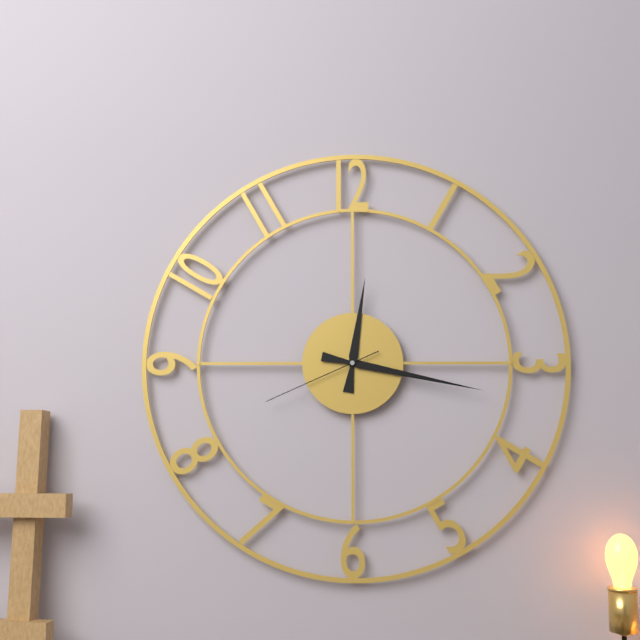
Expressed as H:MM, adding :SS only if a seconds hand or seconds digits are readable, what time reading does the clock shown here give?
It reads 12:17:41
